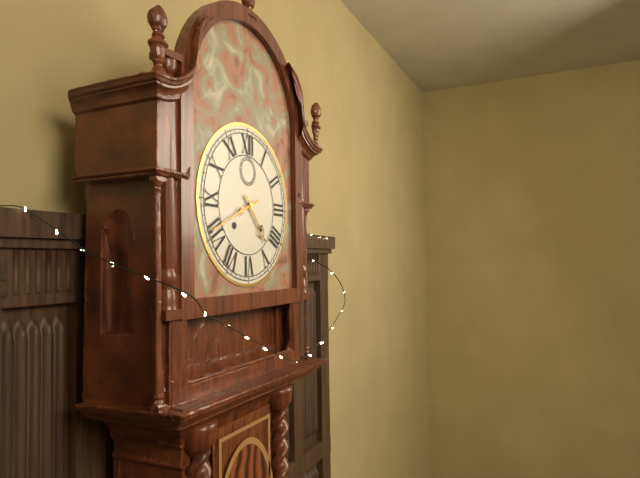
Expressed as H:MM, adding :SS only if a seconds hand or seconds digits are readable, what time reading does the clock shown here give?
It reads 4:41
